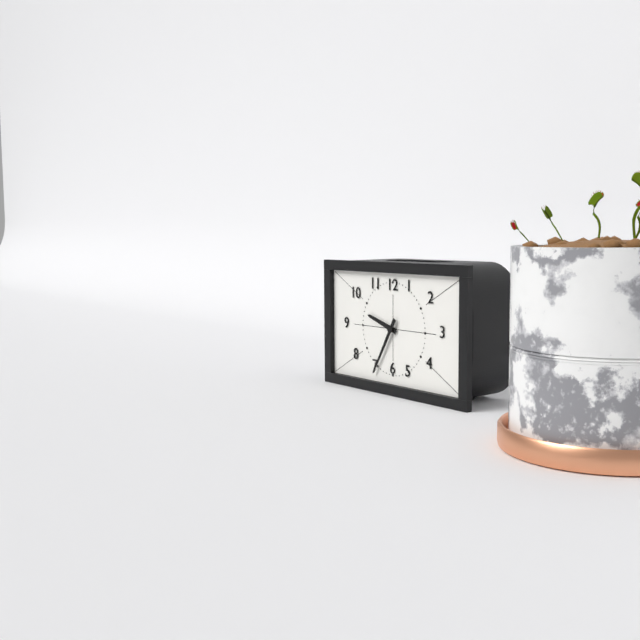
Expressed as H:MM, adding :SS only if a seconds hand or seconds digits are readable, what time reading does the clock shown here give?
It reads 9:35
